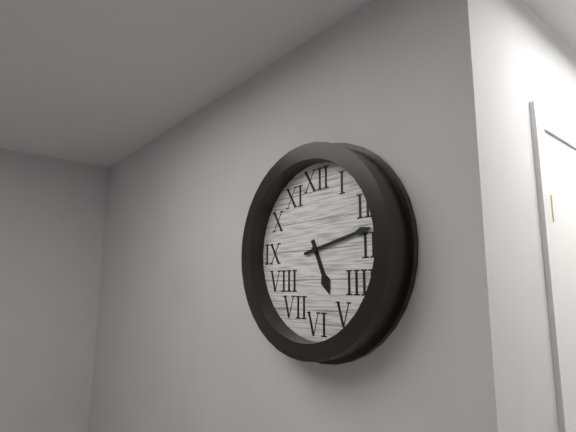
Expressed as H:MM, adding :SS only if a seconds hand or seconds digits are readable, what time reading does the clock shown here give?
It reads 5:13
